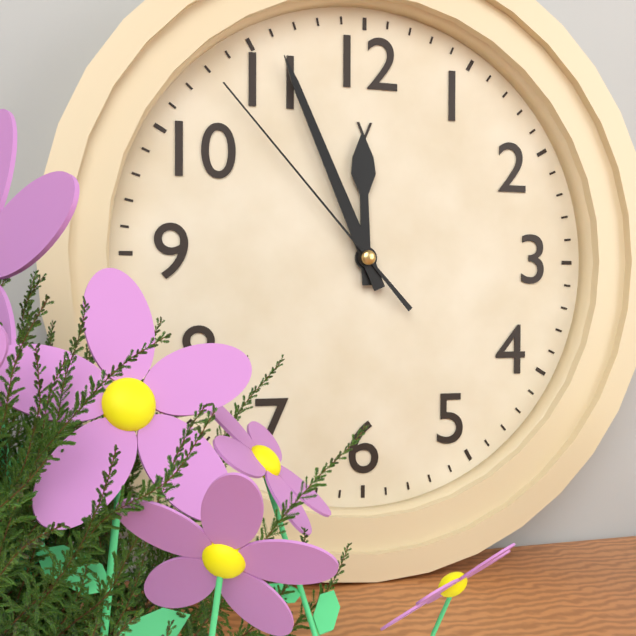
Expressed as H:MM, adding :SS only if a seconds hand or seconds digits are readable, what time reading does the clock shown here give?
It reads 11:56:53
